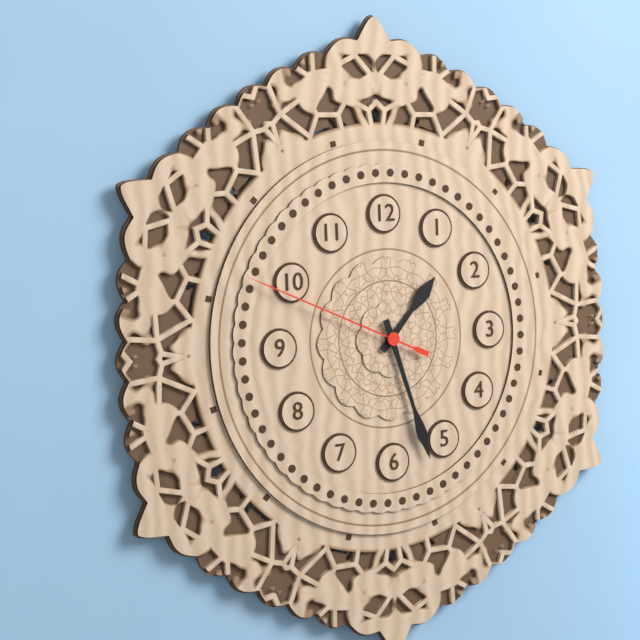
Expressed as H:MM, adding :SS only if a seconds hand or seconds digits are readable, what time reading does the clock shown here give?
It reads 1:27:49
